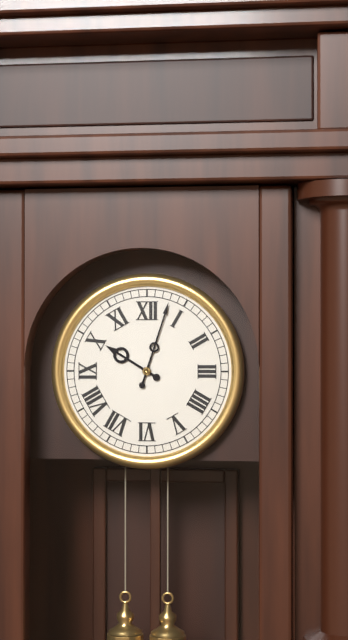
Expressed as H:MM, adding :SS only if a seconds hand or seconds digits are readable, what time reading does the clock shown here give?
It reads 10:03
